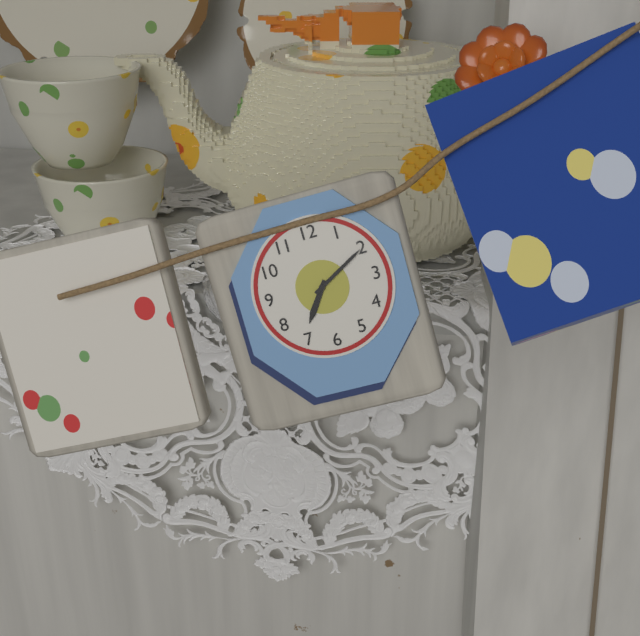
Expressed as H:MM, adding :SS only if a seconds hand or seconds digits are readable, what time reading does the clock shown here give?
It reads 7:10
